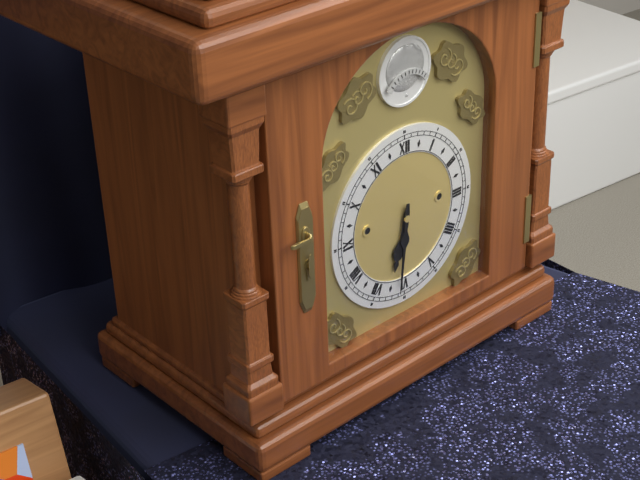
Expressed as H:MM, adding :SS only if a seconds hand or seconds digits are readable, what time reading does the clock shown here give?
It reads 6:31
